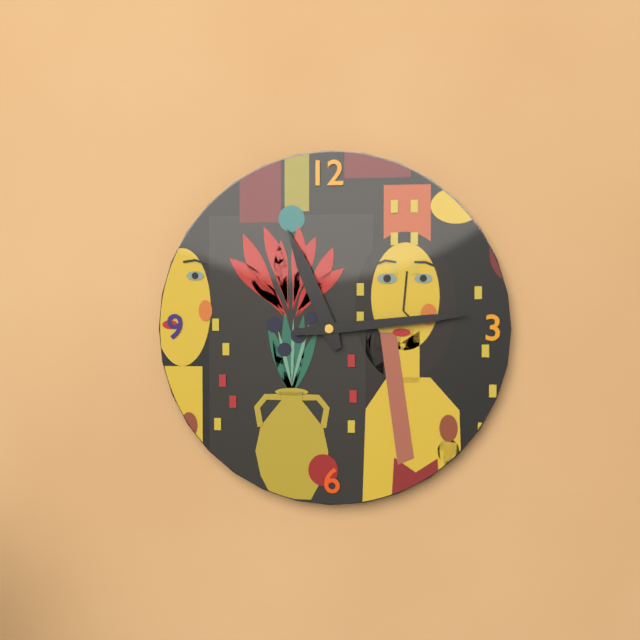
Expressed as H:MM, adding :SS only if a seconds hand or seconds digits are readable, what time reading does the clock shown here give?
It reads 11:14
